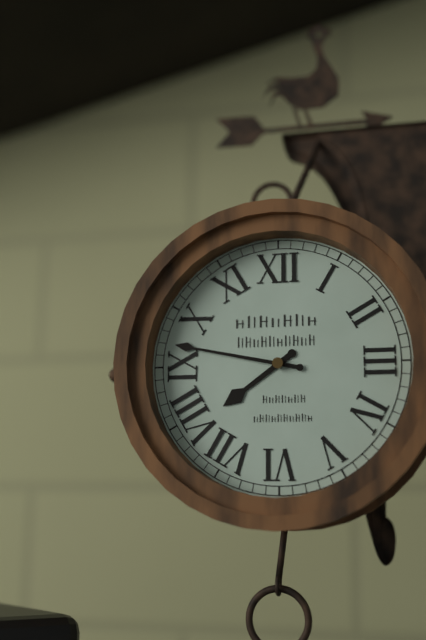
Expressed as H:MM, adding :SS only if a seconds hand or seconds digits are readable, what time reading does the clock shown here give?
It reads 7:47
